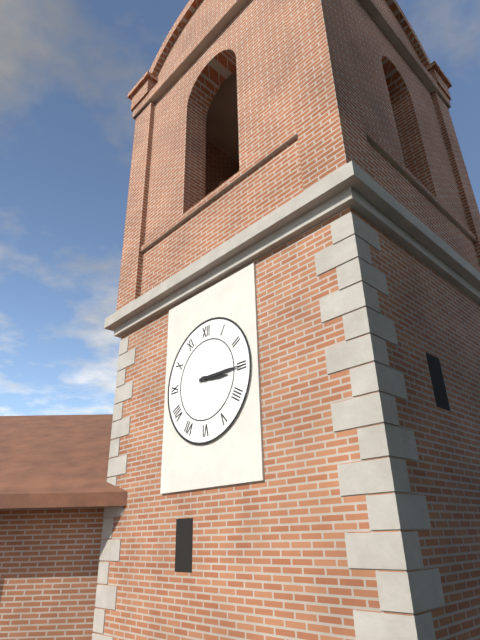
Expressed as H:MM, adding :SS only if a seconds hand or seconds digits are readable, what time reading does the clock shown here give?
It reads 3:15
